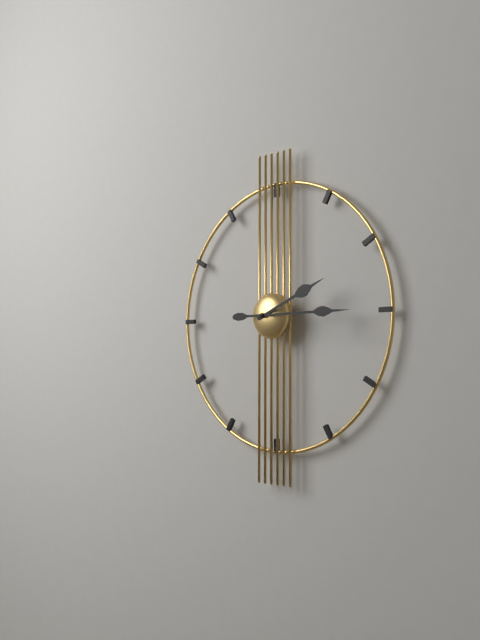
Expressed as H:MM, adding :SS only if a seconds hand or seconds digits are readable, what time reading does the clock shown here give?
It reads 2:15
